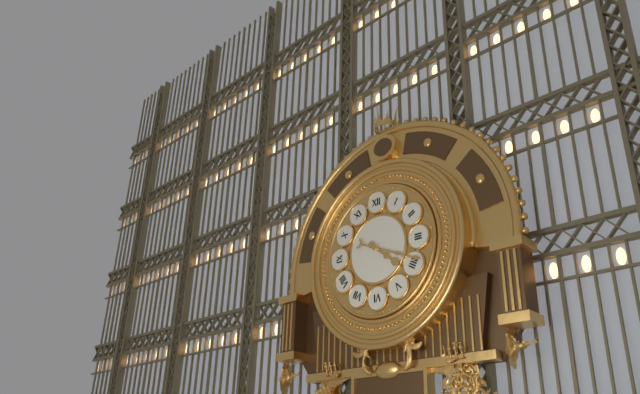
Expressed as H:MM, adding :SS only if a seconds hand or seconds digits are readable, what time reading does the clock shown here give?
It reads 4:19
